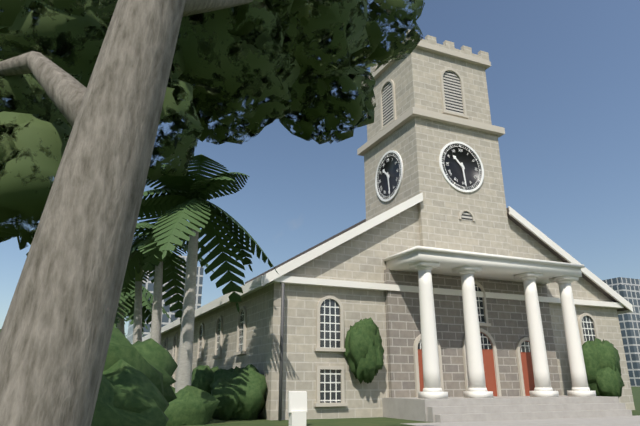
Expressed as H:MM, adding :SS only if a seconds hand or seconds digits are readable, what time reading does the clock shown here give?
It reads 10:29
